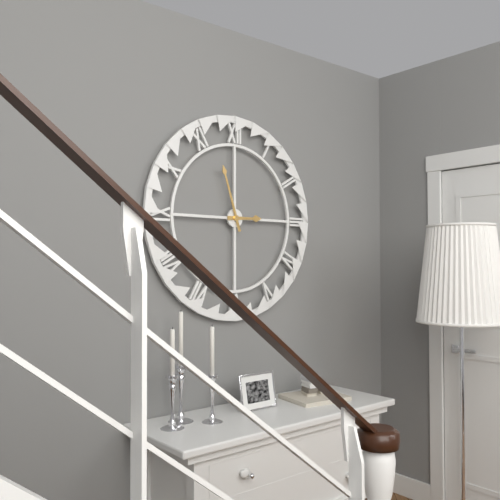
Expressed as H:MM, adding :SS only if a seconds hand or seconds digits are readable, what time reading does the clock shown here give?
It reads 2:57
